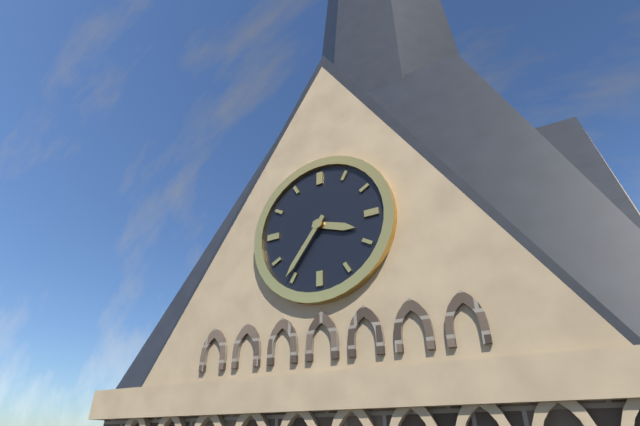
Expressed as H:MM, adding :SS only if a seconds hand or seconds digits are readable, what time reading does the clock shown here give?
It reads 3:36
